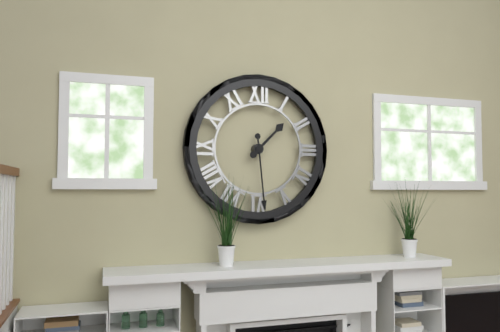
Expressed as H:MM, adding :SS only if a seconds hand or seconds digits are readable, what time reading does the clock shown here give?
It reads 1:29
